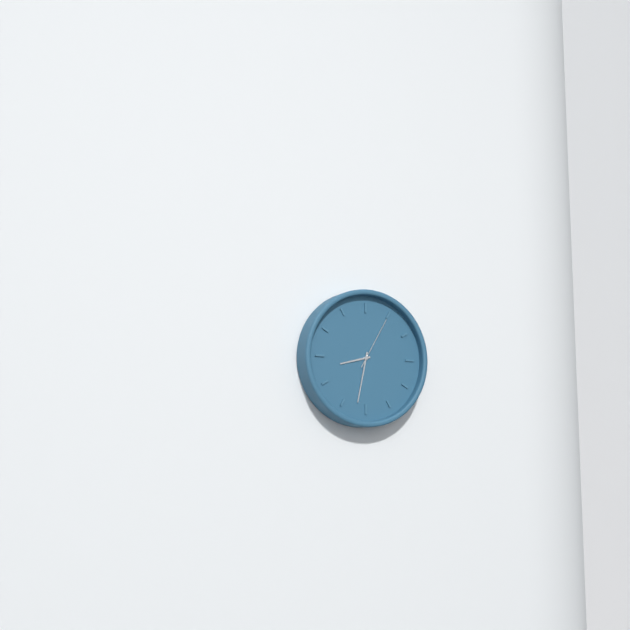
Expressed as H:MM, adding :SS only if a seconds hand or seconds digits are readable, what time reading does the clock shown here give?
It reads 8:32:05
